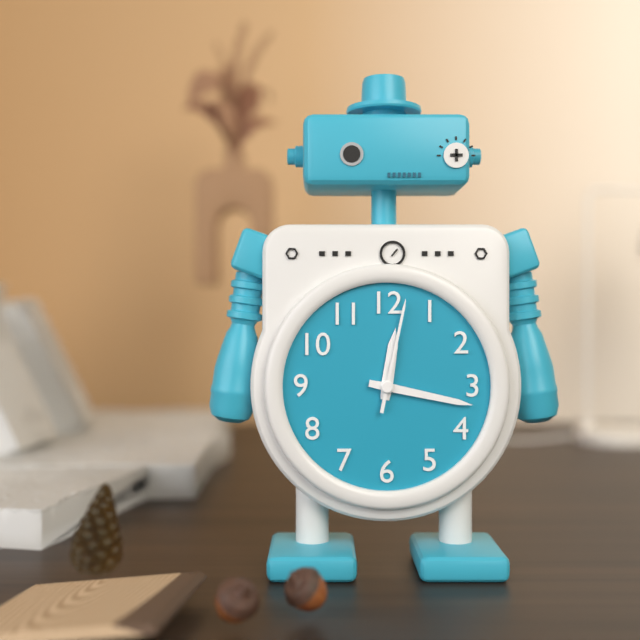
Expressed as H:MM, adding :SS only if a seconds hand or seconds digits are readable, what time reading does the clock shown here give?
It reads 12:17:02
